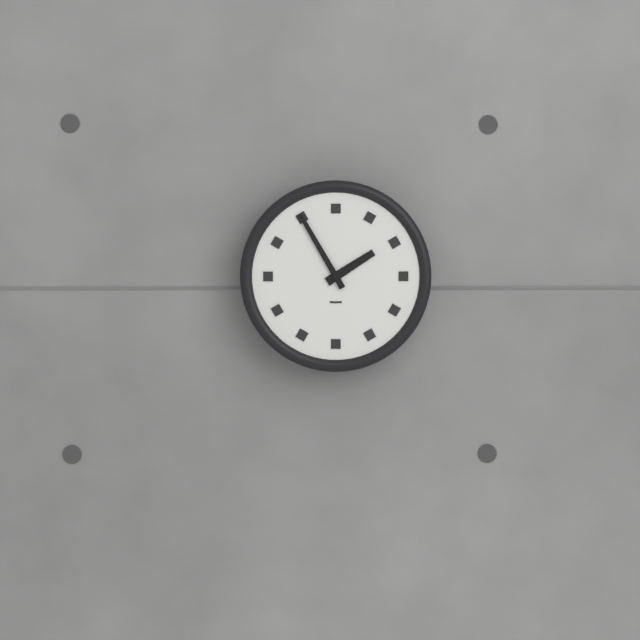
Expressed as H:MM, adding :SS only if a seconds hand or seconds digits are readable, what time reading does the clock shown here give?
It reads 1:55
